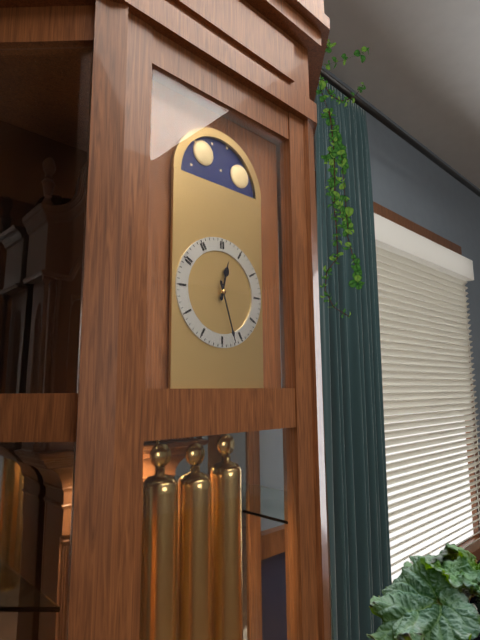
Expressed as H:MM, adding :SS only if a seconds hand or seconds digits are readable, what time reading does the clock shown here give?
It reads 12:27
